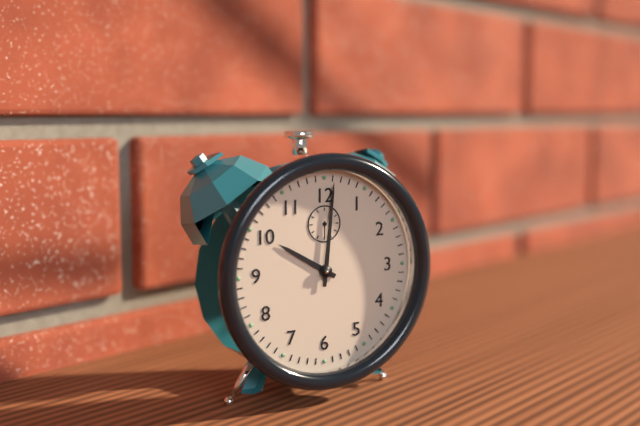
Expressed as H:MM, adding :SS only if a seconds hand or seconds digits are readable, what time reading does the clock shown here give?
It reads 10:01
